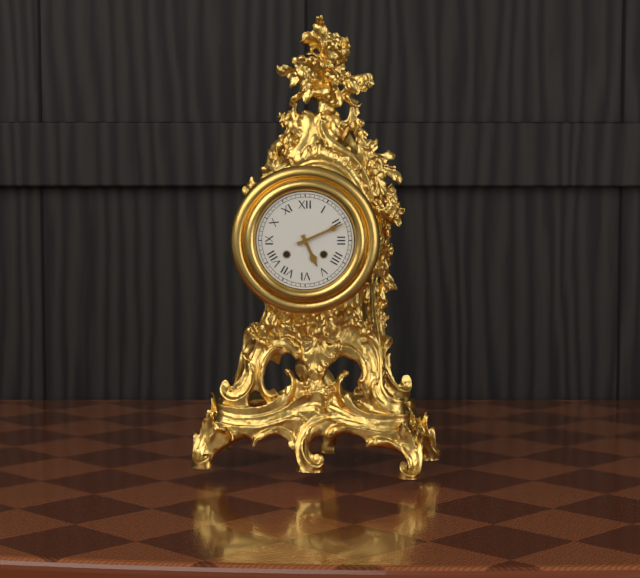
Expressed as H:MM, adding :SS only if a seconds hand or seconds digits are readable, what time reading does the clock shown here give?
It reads 5:11
